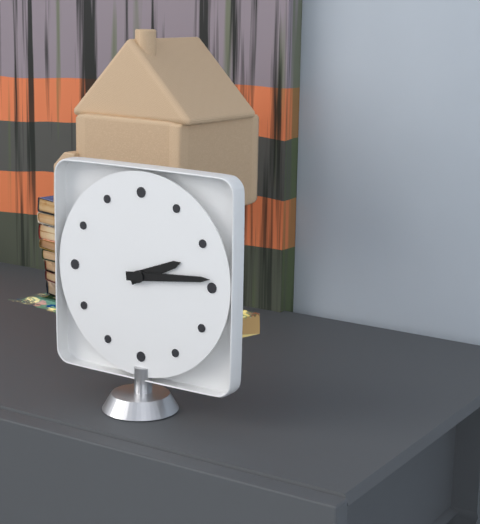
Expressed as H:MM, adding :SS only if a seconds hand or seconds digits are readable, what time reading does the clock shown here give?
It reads 2:14
